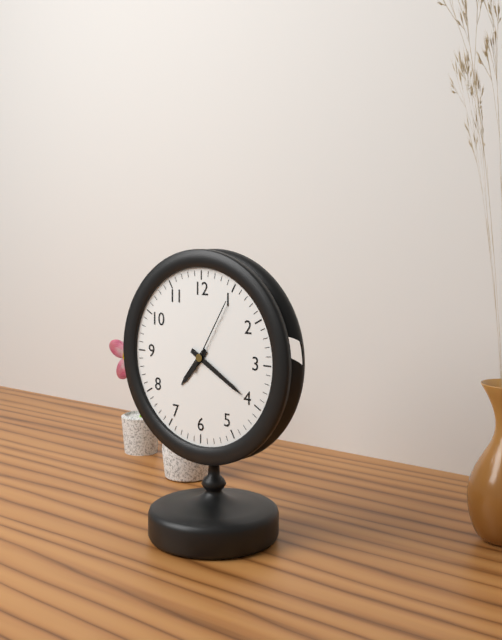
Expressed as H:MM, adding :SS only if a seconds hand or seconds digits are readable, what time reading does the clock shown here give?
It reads 7:20:05
